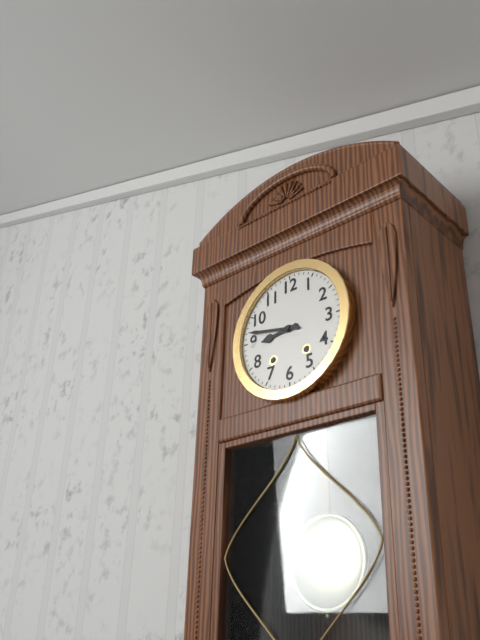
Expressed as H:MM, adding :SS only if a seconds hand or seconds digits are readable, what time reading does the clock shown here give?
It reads 8:47
